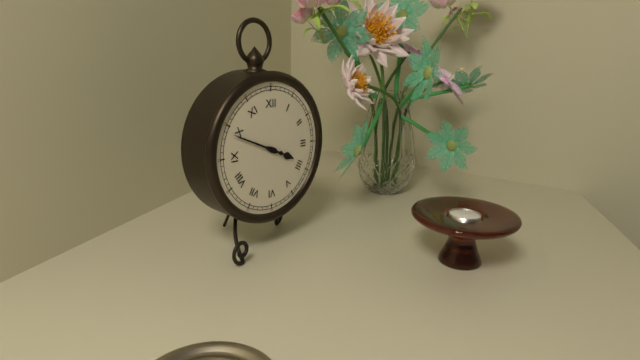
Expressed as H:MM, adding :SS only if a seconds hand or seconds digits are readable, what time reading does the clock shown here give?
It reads 3:49
